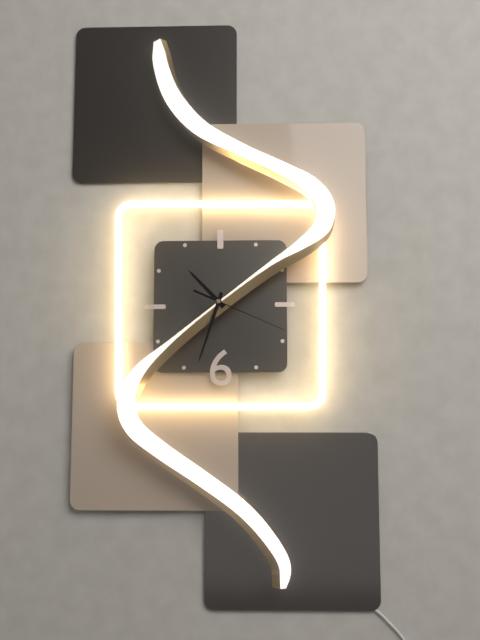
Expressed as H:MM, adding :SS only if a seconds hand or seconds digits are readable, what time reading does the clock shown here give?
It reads 10:33:19
